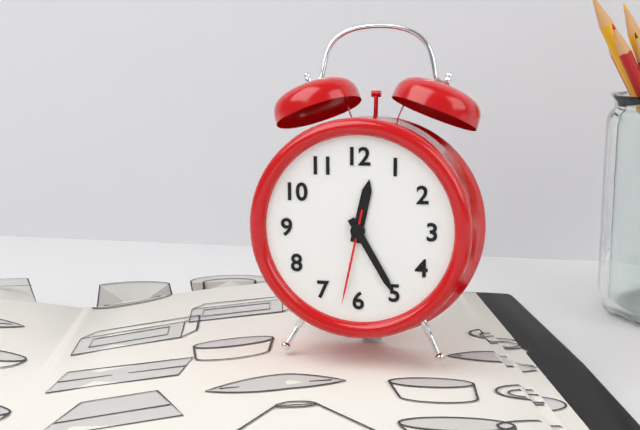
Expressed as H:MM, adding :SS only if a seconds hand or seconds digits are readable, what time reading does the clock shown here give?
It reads 12:25:32
